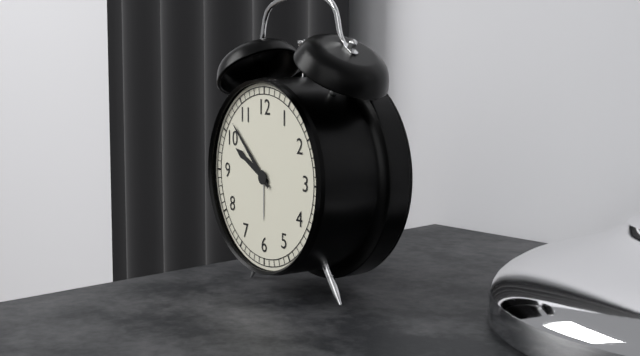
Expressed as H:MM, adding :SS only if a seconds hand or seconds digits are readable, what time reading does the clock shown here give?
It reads 9:52
